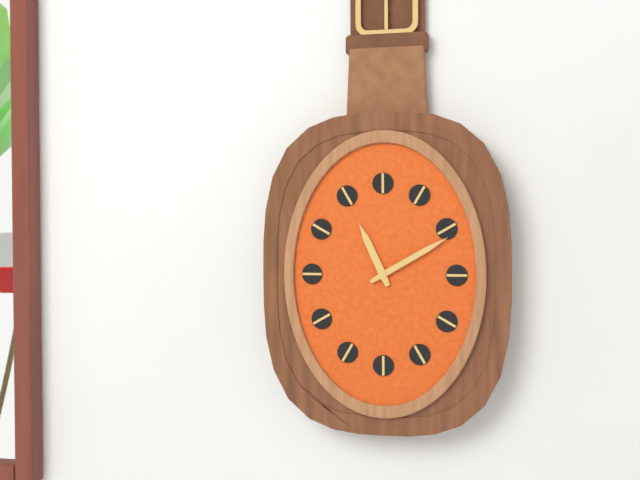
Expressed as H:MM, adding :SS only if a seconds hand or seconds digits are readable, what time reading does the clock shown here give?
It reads 11:10
